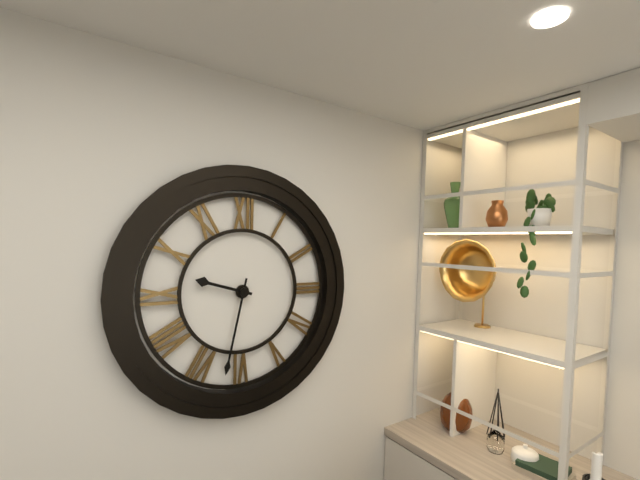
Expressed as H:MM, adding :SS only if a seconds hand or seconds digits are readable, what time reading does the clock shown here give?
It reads 9:32
